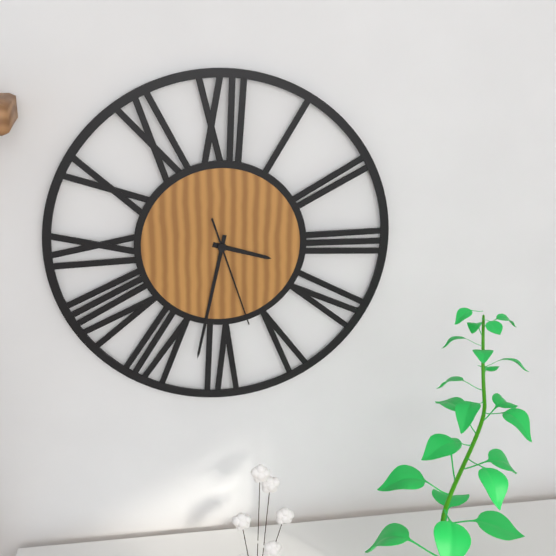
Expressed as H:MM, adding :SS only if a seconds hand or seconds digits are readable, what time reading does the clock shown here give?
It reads 3:32:27
